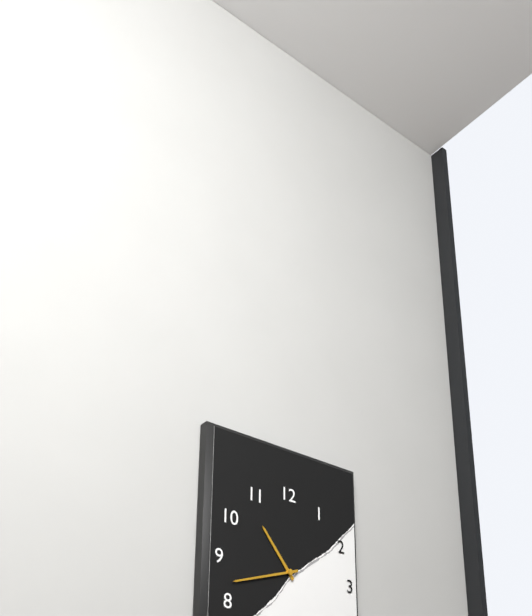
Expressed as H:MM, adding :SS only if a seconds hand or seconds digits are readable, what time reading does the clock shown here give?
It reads 10:42
